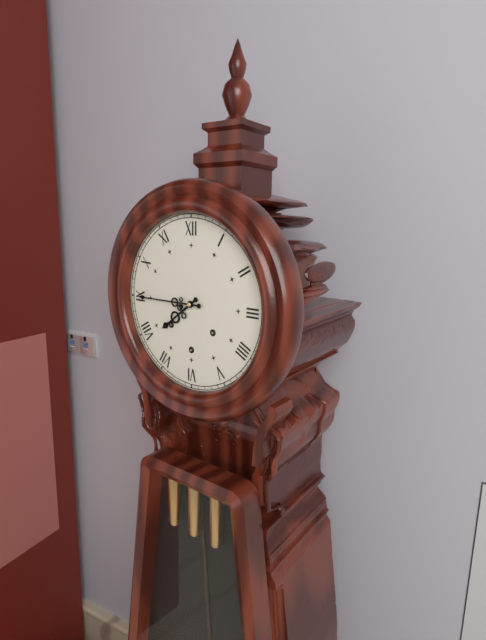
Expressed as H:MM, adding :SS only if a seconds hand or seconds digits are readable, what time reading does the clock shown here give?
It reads 7:45
